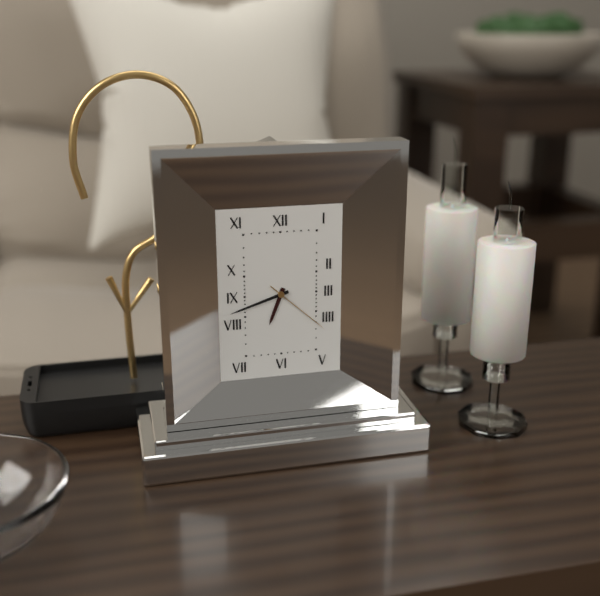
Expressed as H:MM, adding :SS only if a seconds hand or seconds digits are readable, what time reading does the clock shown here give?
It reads 6:42:22
